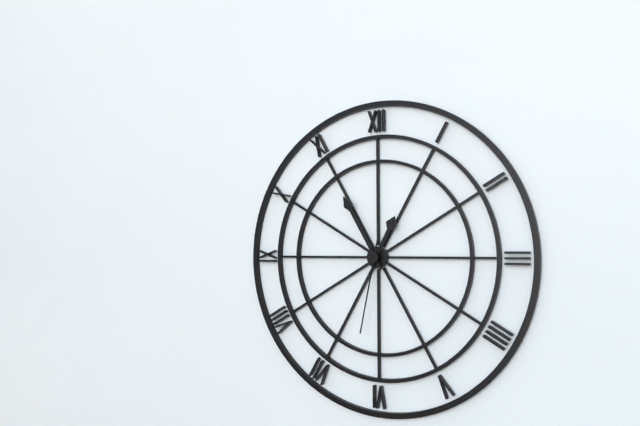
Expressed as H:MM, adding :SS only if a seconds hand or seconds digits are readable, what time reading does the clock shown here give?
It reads 12:55:32
